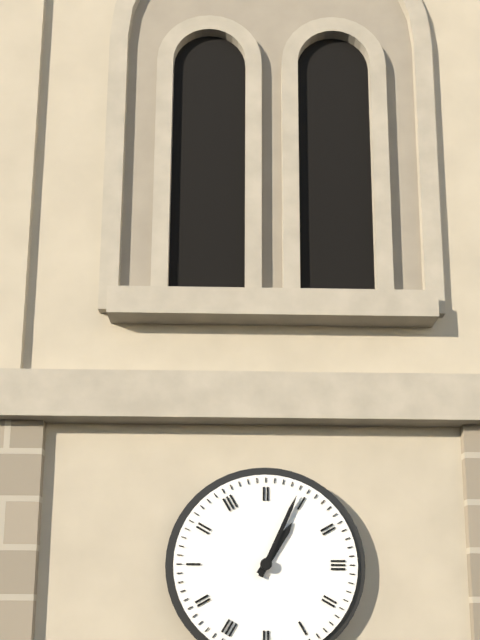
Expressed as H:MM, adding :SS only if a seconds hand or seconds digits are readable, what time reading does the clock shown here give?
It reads 1:04
